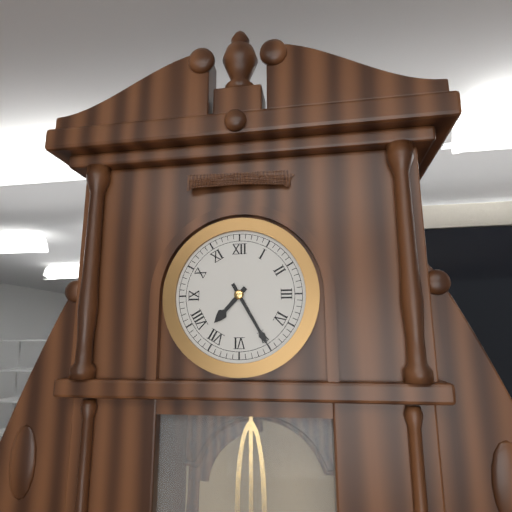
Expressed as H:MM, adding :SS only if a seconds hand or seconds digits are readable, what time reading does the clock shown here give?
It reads 7:25
